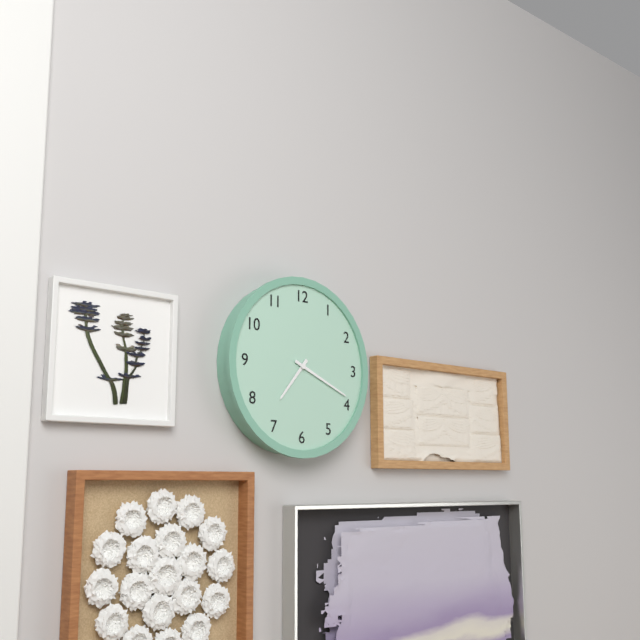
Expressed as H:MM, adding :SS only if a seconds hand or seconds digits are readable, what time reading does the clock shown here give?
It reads 7:19
